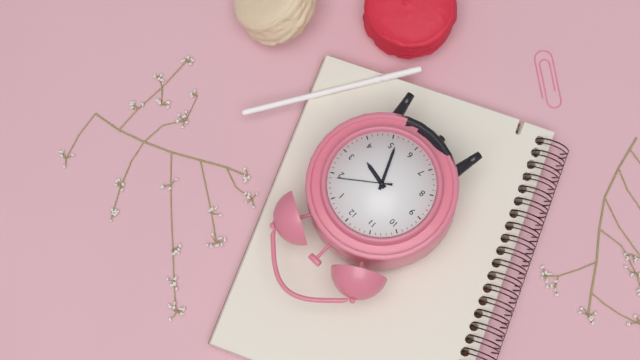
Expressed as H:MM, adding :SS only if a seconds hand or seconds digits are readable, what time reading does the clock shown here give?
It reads 3:26:09
